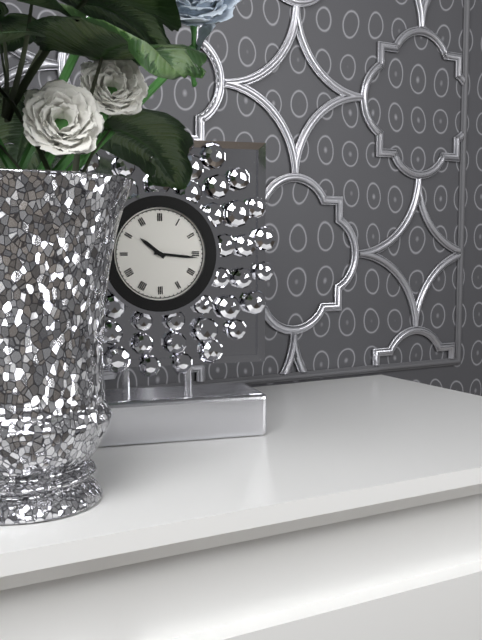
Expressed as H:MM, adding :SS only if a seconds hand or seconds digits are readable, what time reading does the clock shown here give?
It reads 10:16
